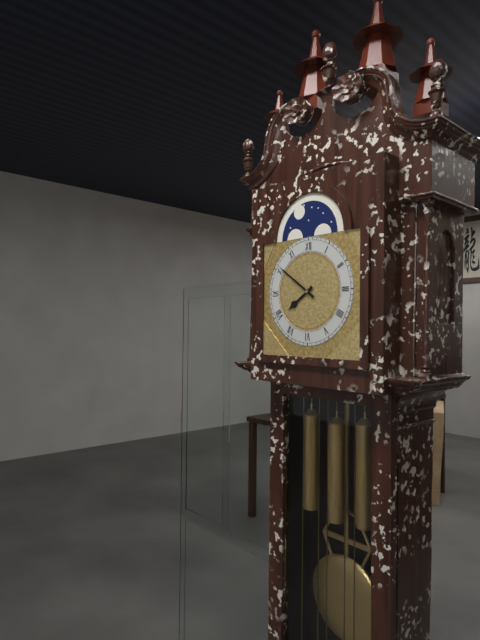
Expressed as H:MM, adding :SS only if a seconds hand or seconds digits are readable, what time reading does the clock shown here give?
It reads 7:51
